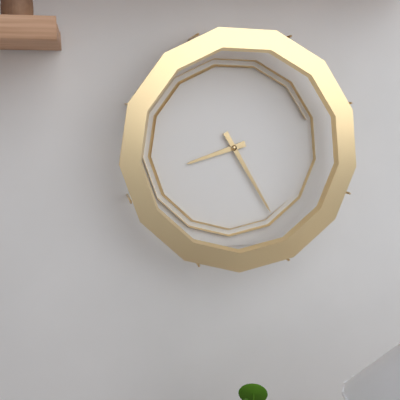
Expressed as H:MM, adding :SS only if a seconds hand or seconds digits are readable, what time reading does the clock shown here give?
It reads 8:25
